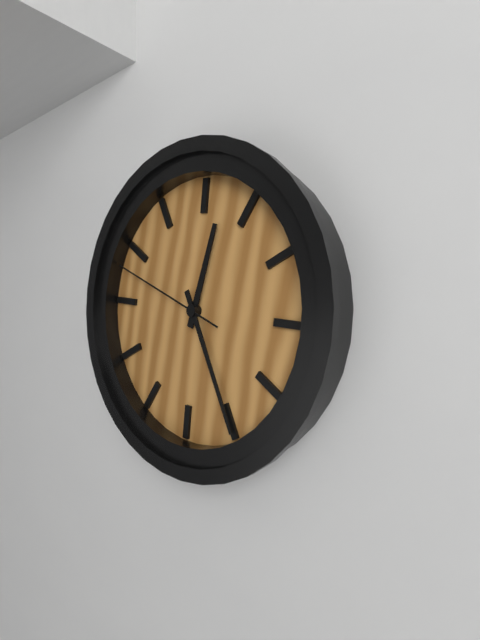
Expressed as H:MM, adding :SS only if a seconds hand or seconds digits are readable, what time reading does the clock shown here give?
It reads 12:25:48
